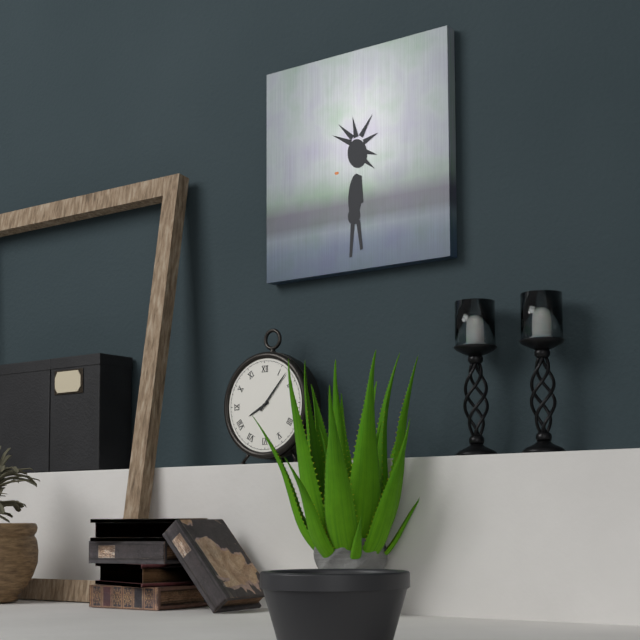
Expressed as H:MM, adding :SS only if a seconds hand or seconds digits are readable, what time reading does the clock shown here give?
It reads 8:07
